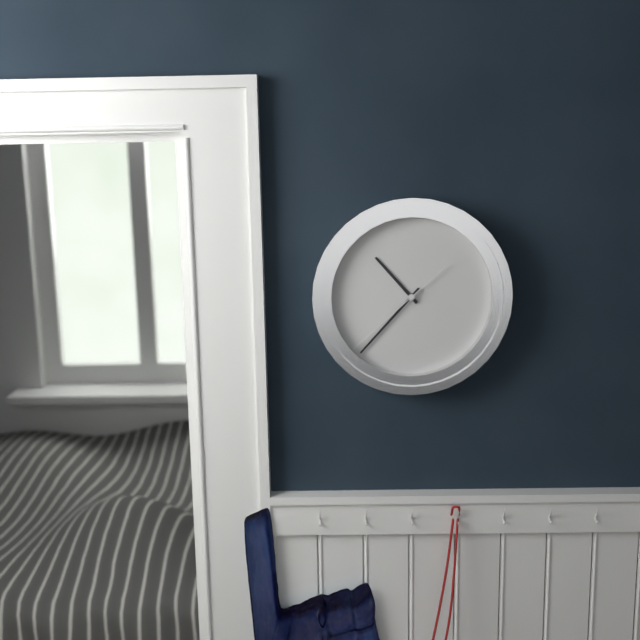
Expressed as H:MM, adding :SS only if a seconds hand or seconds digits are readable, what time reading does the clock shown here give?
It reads 10:37:38
